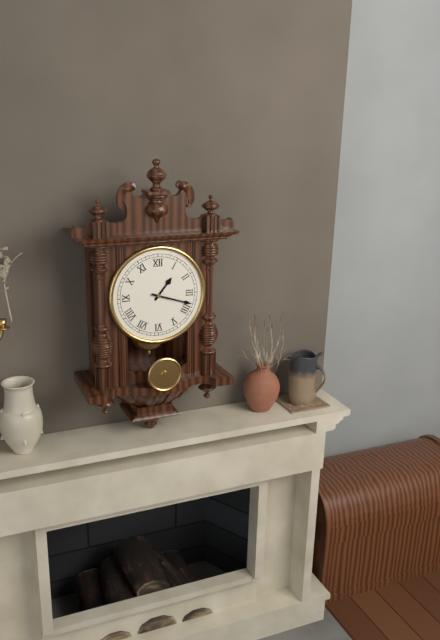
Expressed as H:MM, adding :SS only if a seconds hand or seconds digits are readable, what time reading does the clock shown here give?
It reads 1:18
